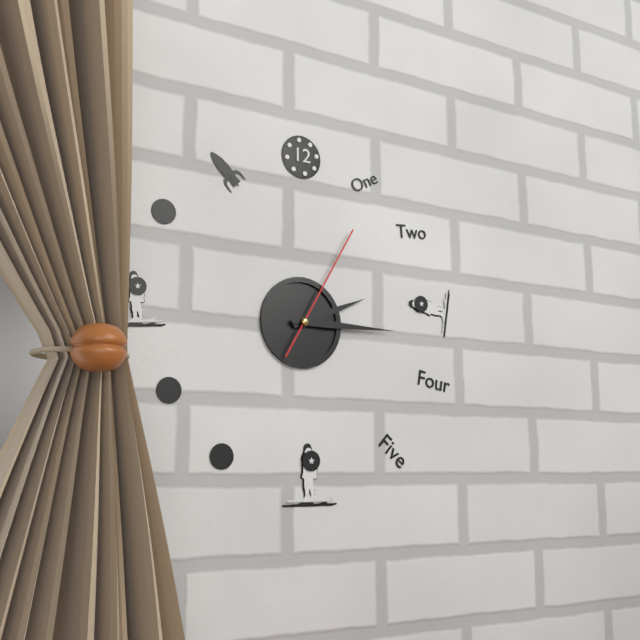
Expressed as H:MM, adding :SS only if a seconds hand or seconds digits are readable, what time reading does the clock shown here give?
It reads 2:15:05
